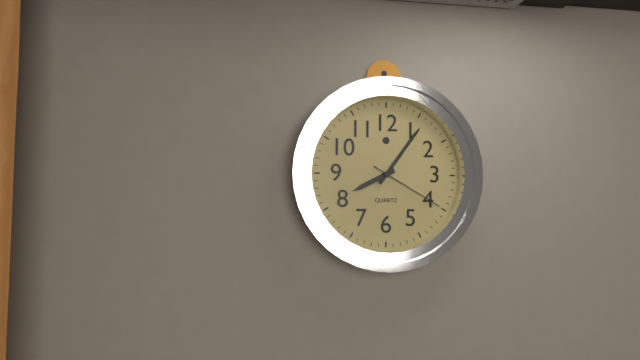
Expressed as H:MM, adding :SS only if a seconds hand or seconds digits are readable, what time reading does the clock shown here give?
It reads 8:06:20
